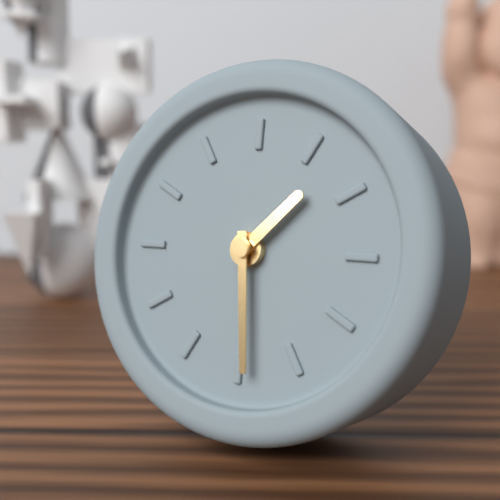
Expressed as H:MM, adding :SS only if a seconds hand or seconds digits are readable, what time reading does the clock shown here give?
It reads 1:29
